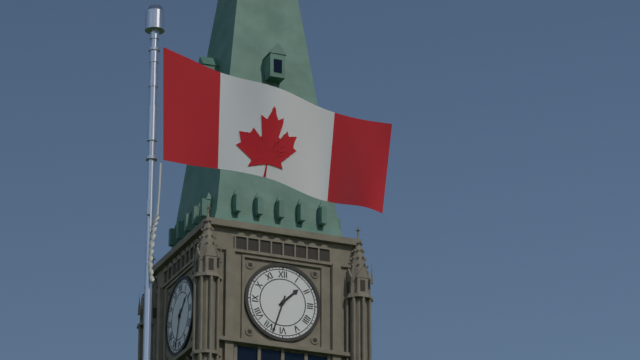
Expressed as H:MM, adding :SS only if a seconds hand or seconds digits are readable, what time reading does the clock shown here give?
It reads 1:33
